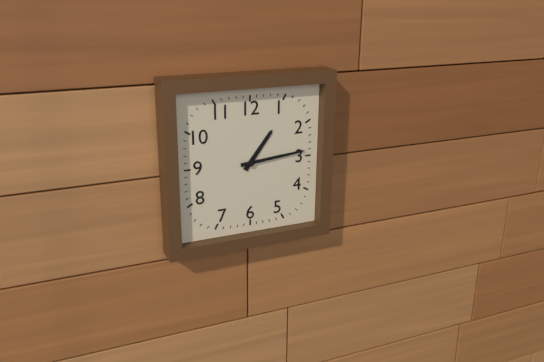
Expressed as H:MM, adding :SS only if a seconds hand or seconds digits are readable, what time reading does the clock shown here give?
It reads 1:14
